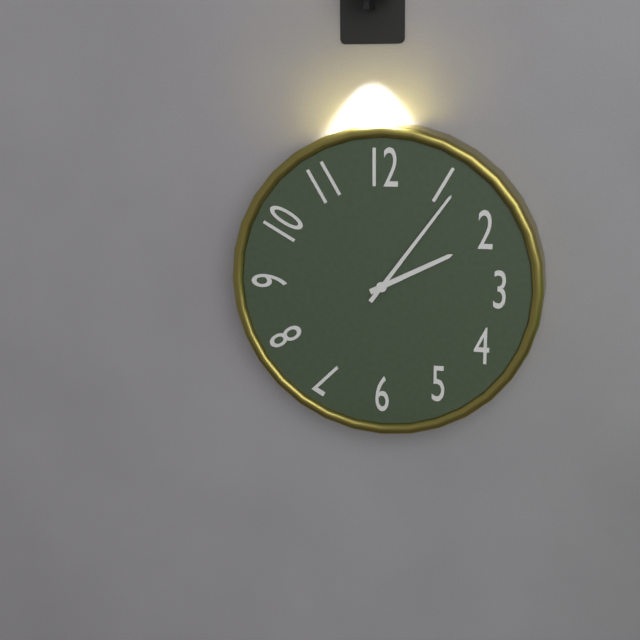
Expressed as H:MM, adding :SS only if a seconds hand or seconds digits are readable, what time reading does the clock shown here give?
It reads 2:06
